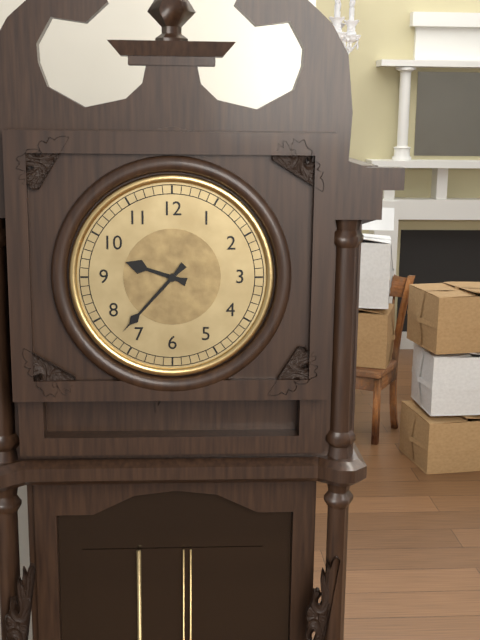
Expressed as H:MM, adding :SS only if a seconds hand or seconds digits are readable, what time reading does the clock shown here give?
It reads 9:37
